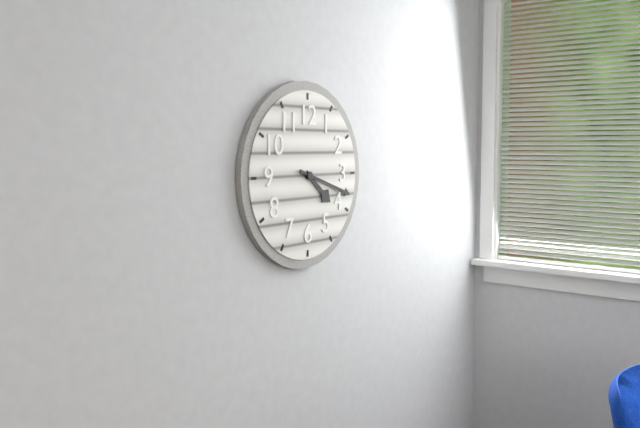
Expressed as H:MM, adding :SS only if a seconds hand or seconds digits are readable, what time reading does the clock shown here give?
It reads 4:18
